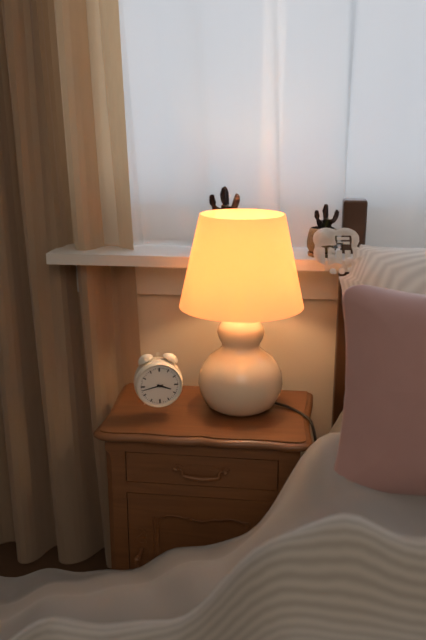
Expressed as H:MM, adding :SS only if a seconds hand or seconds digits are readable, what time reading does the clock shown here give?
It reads 3:43
